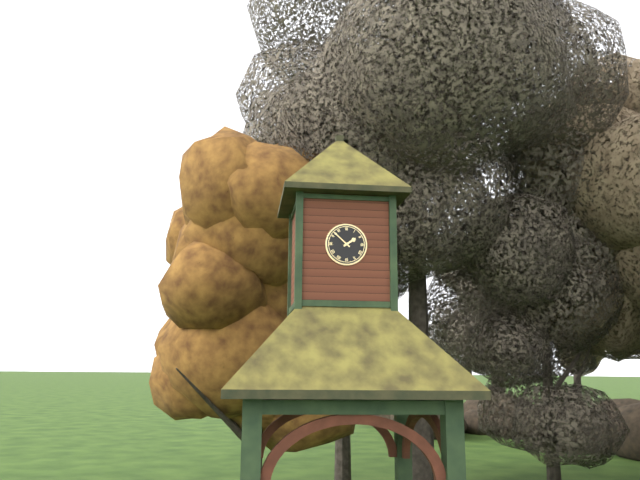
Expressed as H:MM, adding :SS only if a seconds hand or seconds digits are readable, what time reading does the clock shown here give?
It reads 1:52
